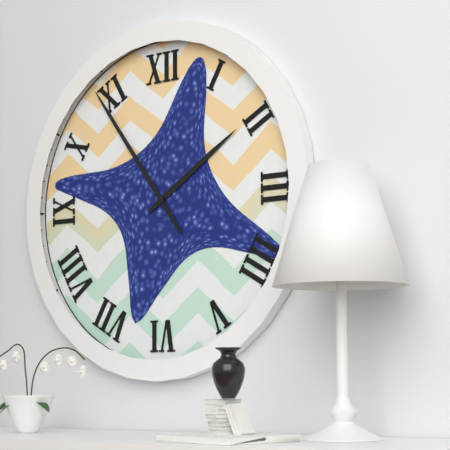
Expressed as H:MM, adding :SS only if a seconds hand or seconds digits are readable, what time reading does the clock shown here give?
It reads 1:54
